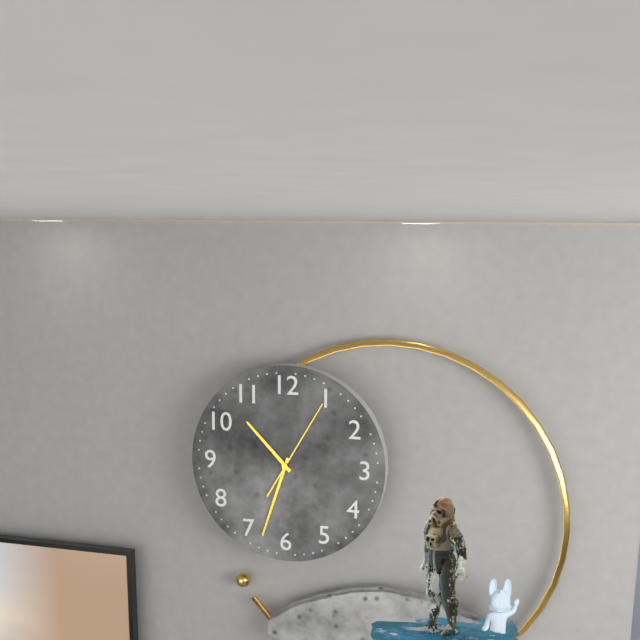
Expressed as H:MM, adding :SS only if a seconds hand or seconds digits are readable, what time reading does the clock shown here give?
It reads 10:33:05
